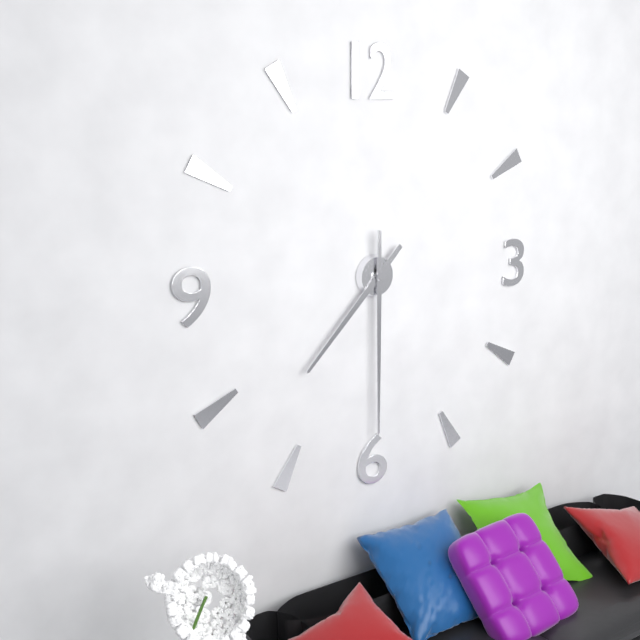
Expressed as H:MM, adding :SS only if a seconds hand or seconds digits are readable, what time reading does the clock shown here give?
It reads 7:30
